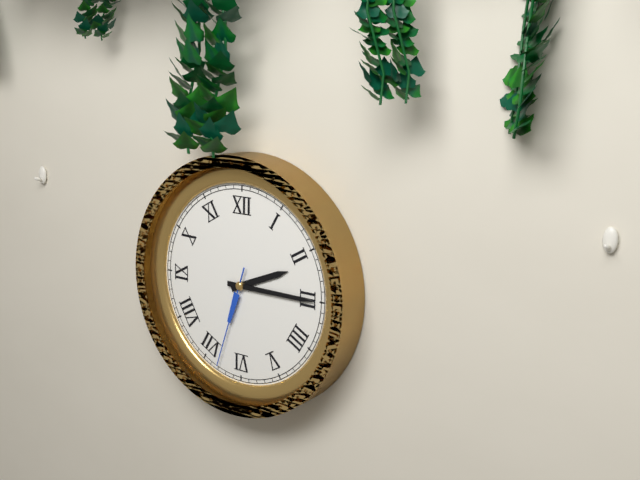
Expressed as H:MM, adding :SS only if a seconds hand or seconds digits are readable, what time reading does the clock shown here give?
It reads 2:15:33
